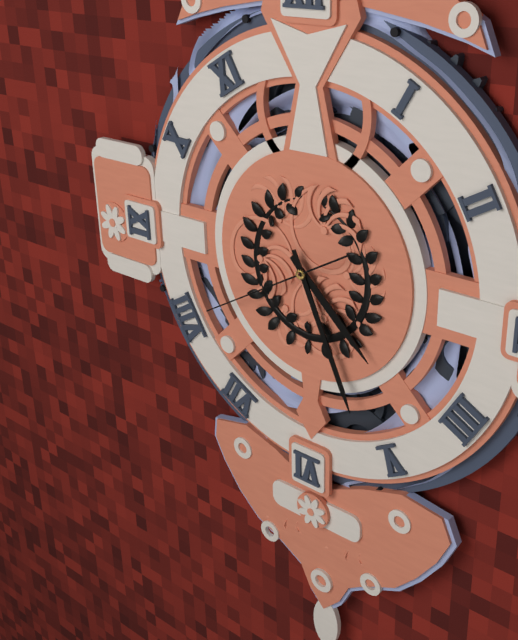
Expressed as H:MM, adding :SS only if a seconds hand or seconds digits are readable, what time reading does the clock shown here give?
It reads 4:26:40
